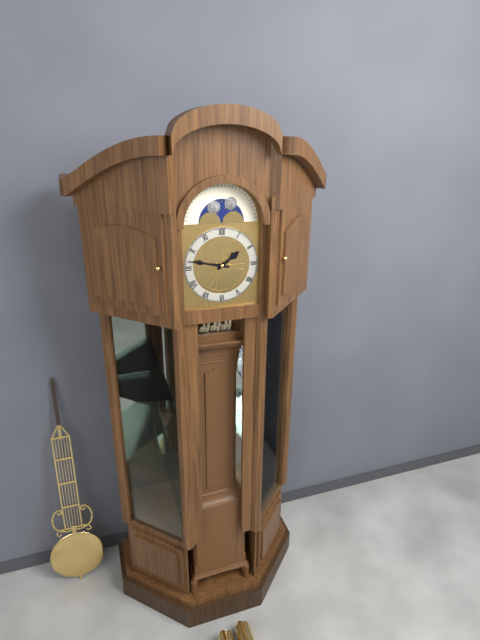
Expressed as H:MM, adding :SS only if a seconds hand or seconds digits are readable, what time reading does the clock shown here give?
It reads 1:47
